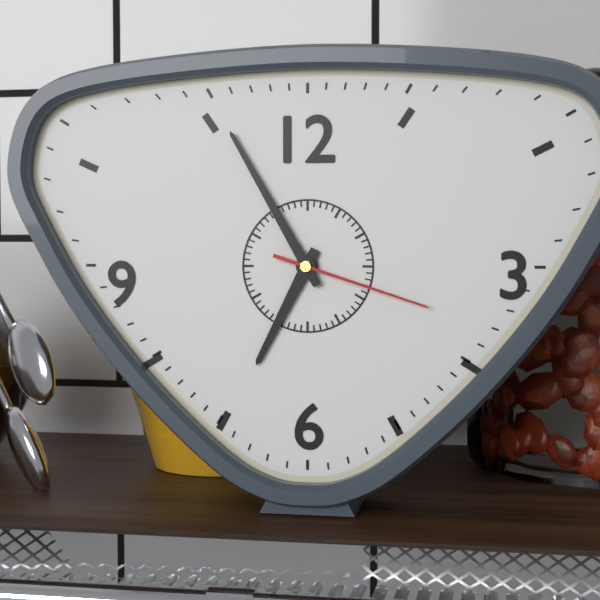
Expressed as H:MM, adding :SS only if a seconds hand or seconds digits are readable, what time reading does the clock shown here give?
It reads 6:55:18
